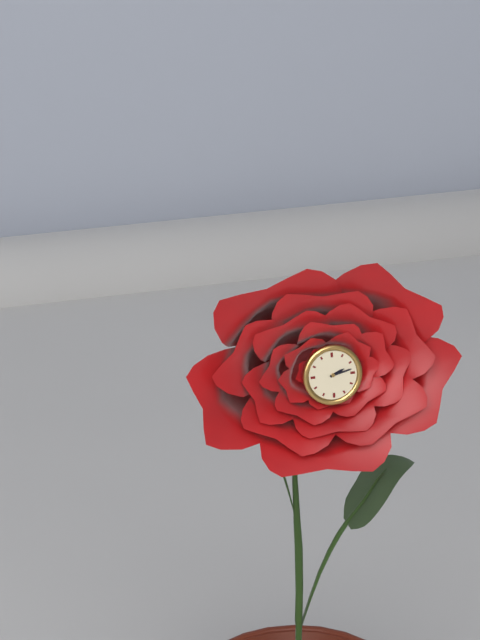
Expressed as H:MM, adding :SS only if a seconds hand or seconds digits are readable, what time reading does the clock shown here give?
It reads 2:13
